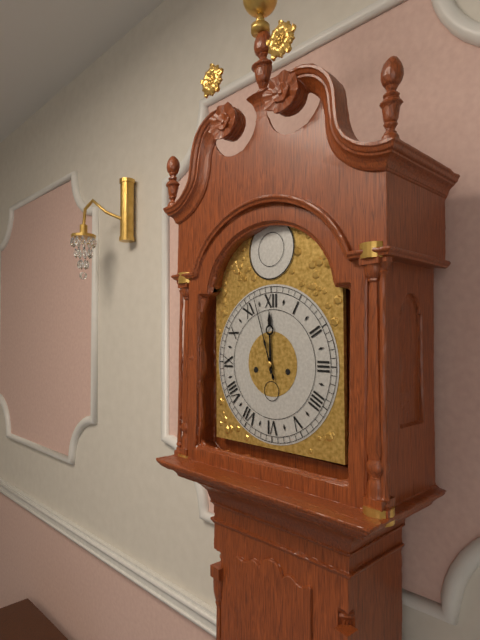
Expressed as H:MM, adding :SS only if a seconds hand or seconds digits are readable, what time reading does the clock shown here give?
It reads 11:57
